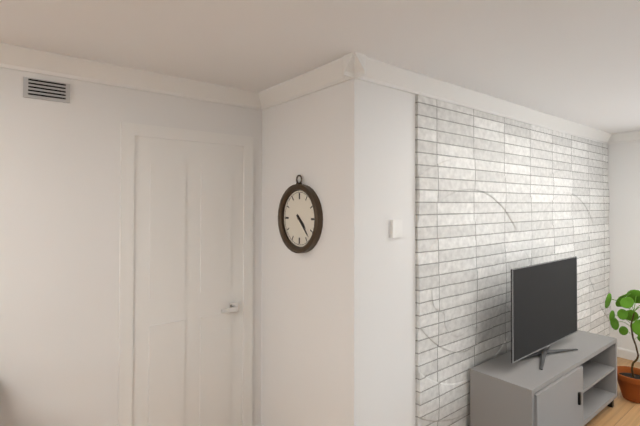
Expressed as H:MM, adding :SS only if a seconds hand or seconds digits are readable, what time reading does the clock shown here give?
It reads 4:23
